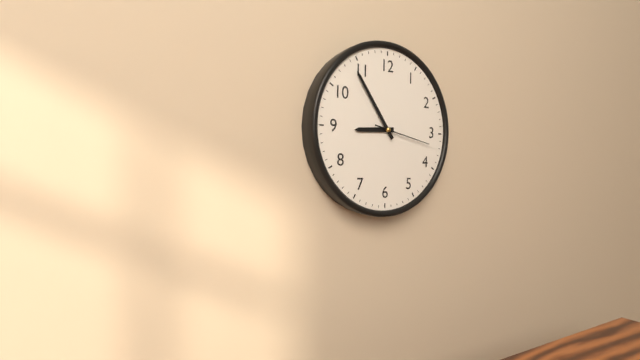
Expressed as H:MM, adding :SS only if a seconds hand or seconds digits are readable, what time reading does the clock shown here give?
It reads 8:54:17
